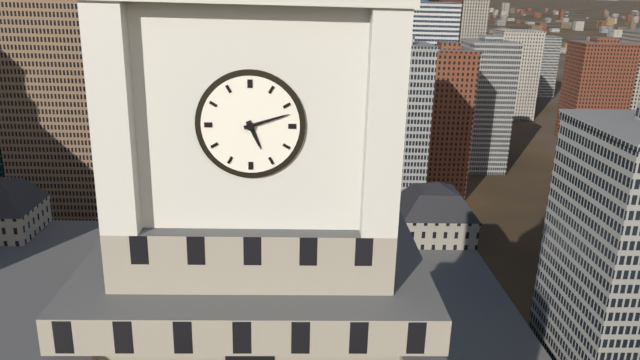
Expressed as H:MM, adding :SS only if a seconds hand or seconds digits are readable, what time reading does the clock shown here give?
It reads 5:12
